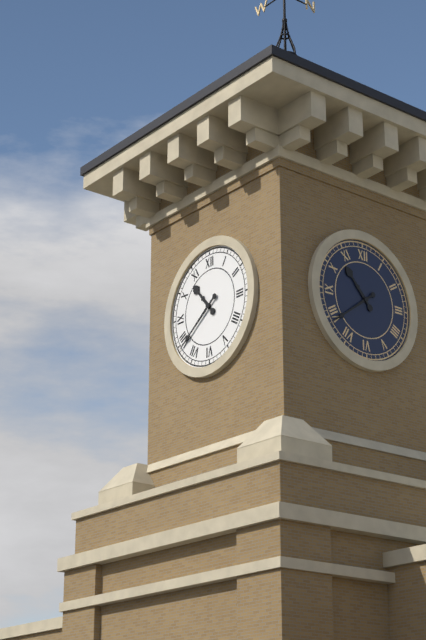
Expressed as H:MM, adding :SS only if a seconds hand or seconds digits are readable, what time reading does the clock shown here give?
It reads 10:39
